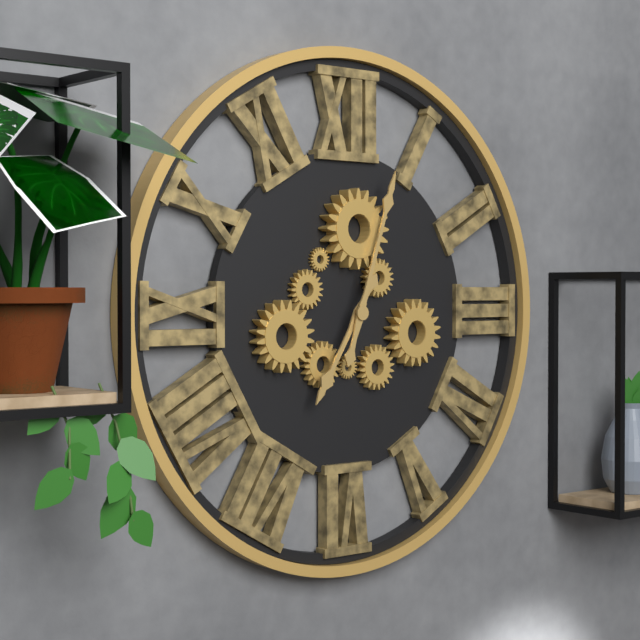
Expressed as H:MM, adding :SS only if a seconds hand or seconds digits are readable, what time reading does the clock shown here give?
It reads 7:03
